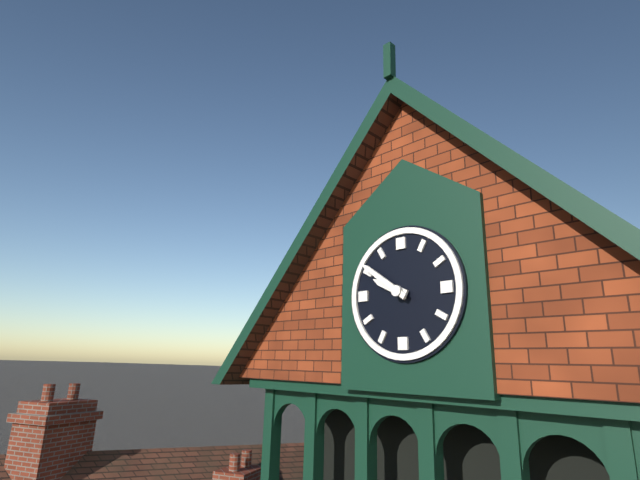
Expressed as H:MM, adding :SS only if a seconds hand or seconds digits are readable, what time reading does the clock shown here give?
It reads 9:51
